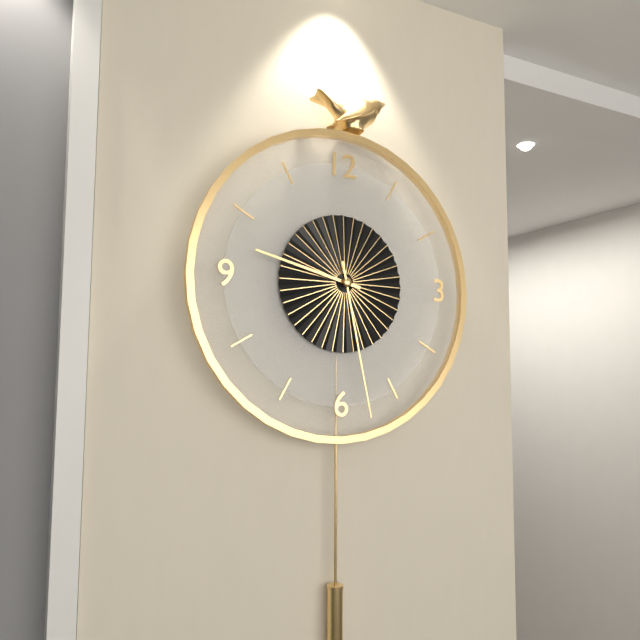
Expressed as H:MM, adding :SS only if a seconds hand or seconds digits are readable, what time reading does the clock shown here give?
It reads 9:28
